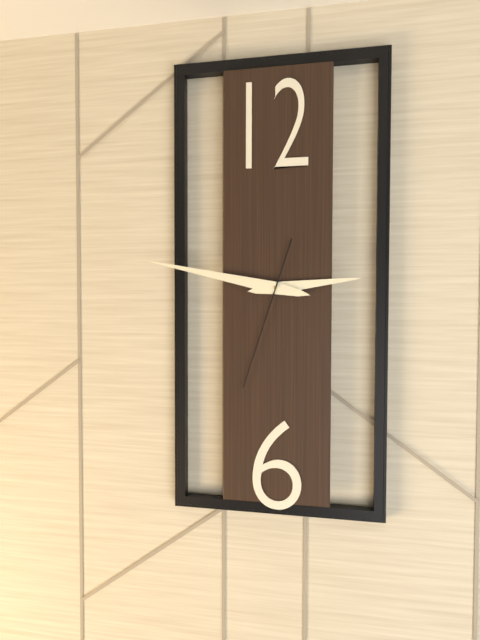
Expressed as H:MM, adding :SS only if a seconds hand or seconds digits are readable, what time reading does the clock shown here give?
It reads 2:47:33
